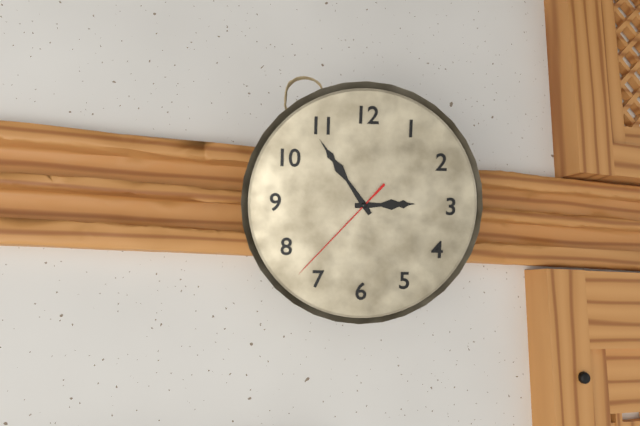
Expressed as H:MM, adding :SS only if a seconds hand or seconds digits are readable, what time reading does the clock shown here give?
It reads 2:54:37
